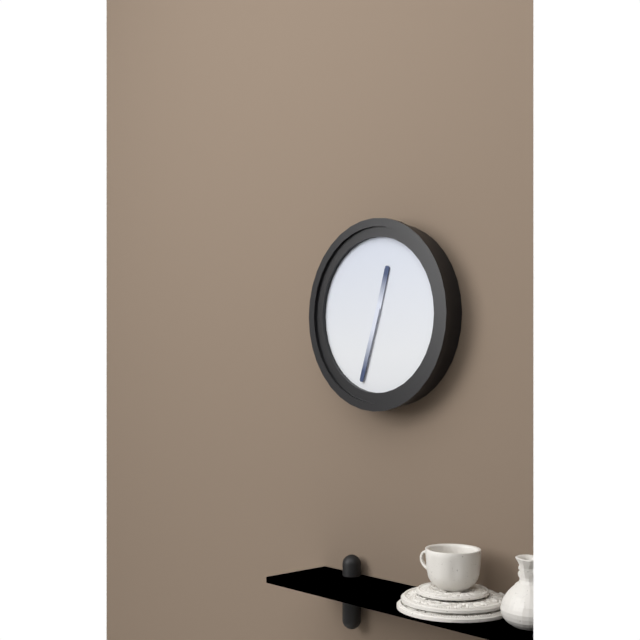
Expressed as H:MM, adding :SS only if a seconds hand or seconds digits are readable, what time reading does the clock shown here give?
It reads 12:33
